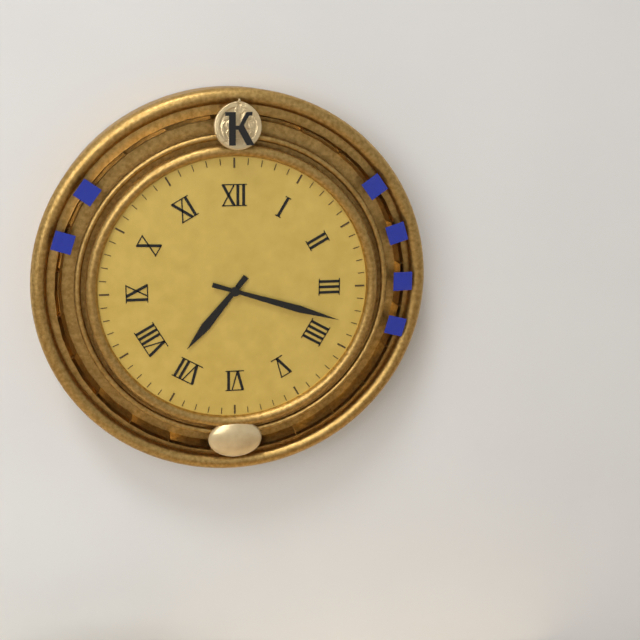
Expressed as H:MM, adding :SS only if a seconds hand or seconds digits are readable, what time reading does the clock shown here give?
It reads 7:18
